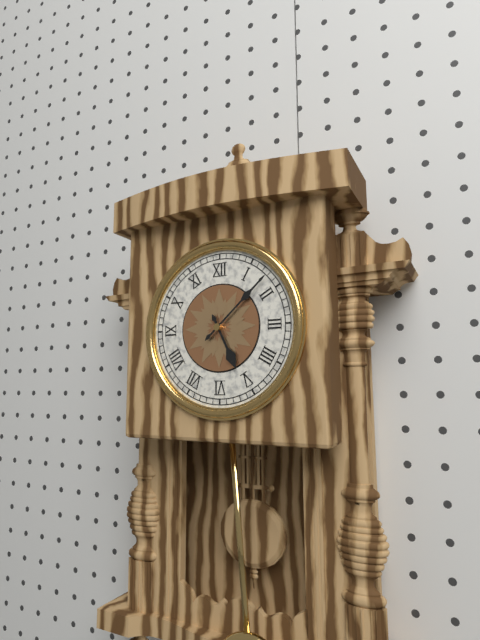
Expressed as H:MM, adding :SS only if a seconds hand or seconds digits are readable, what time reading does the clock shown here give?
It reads 5:08
